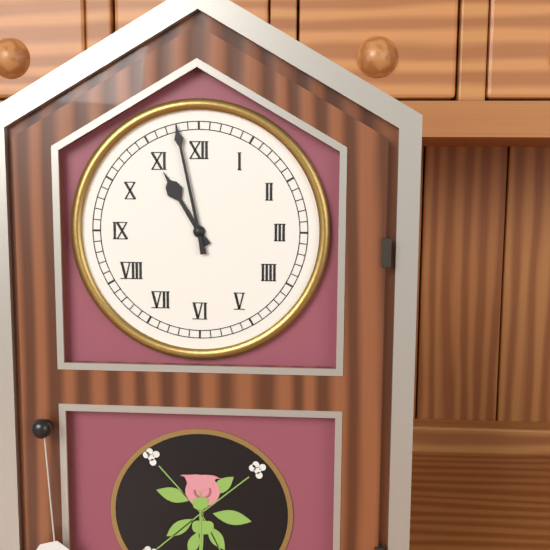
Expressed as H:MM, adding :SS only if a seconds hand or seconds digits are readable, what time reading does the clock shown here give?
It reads 10:58
